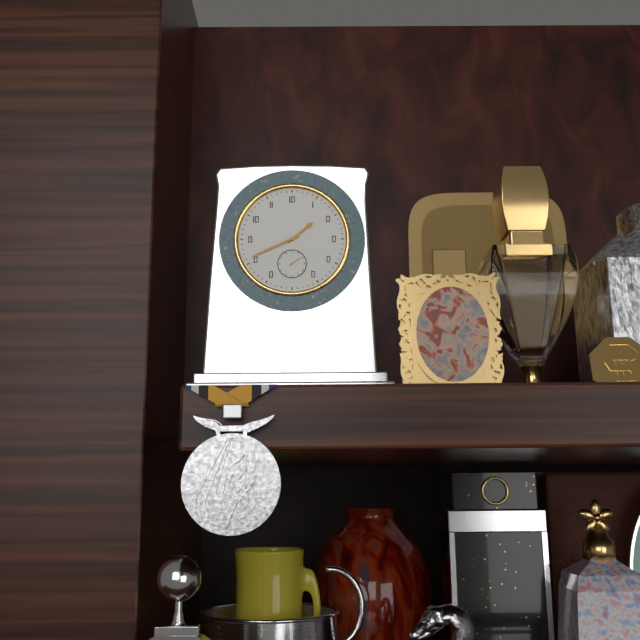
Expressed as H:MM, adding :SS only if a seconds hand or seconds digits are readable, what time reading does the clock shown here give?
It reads 1:41
